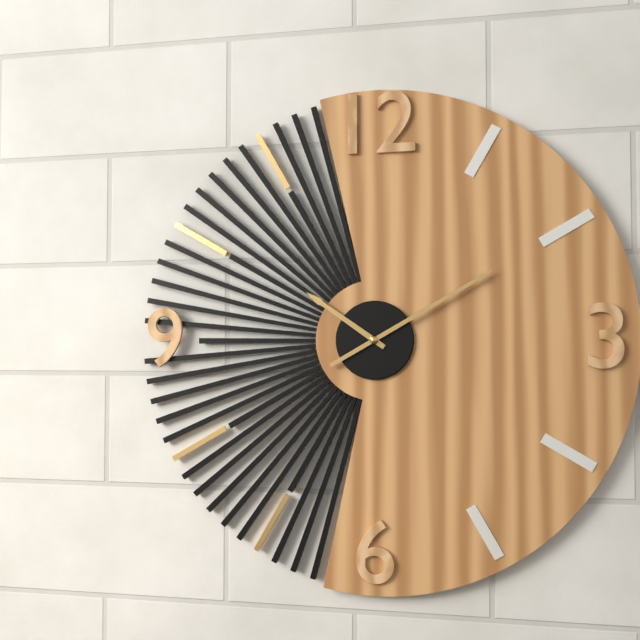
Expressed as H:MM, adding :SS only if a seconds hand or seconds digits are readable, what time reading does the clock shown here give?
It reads 10:10
